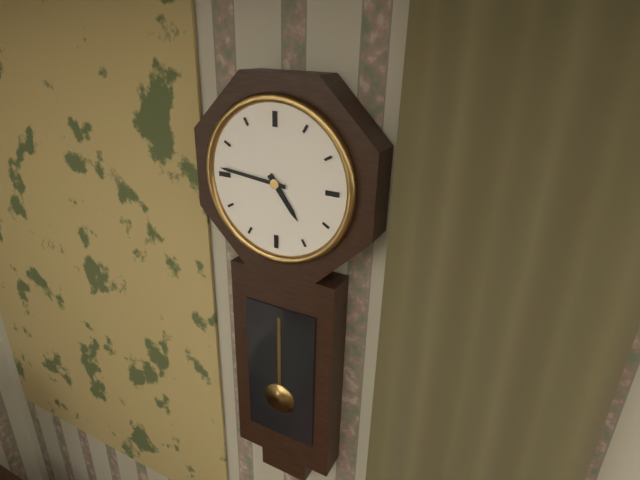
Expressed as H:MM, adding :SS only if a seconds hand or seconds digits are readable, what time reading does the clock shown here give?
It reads 4:46
